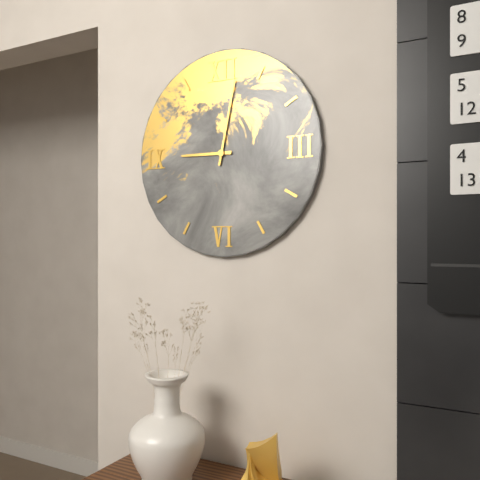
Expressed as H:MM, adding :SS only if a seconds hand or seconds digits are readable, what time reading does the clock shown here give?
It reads 9:02
